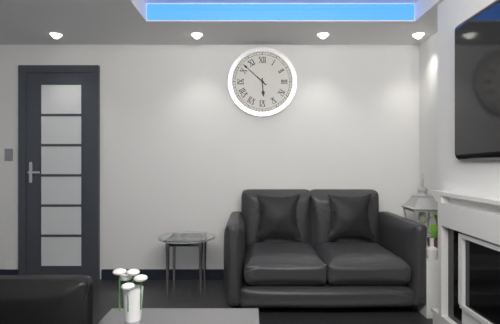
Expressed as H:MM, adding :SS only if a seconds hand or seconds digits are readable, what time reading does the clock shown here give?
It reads 5:52
